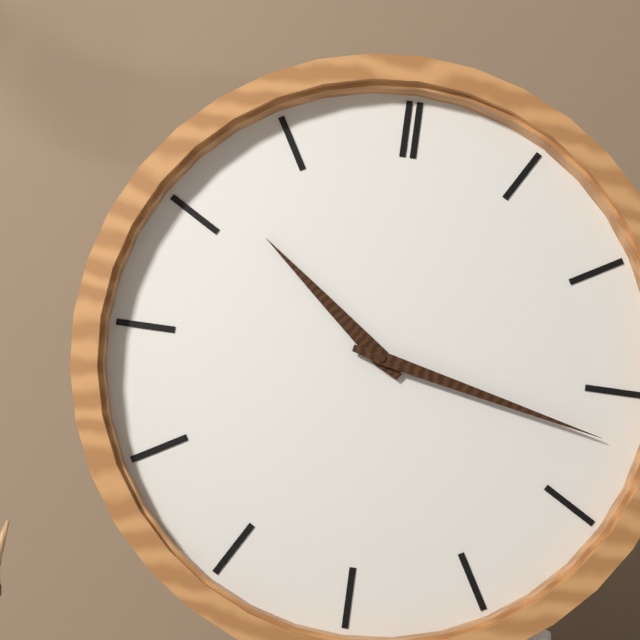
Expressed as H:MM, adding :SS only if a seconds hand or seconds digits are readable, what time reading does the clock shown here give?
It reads 10:17
